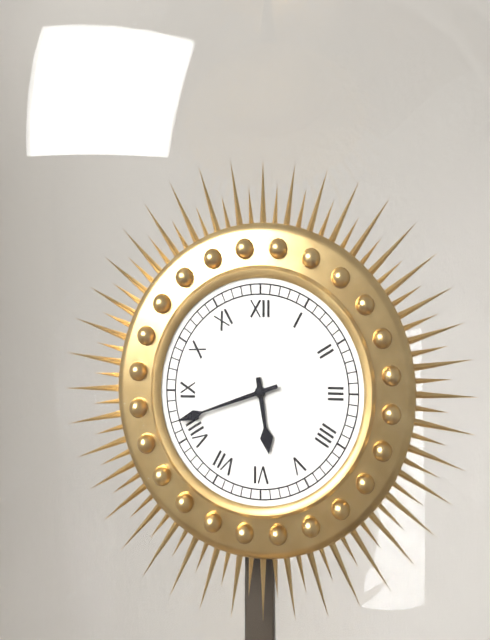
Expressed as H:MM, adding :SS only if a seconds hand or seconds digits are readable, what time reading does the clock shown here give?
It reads 5:42
